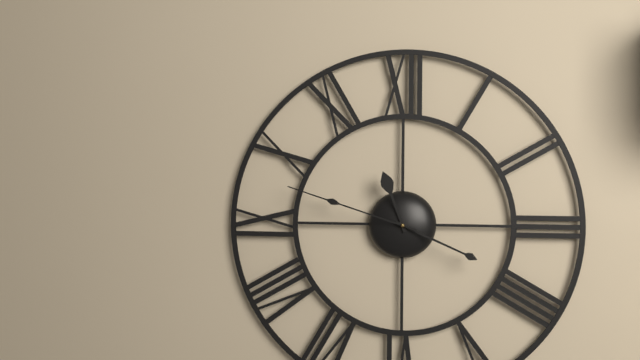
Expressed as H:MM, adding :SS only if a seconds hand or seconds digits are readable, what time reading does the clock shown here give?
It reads 11:19:48
